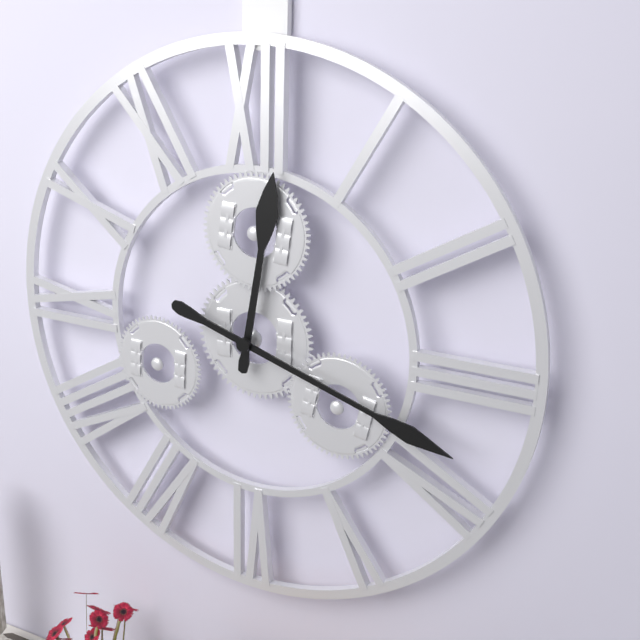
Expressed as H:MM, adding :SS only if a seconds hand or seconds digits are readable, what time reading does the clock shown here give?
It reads 12:18
